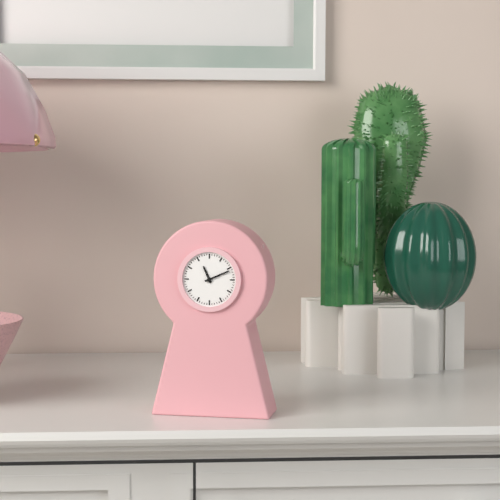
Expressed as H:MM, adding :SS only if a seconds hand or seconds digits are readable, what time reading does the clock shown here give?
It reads 11:11
